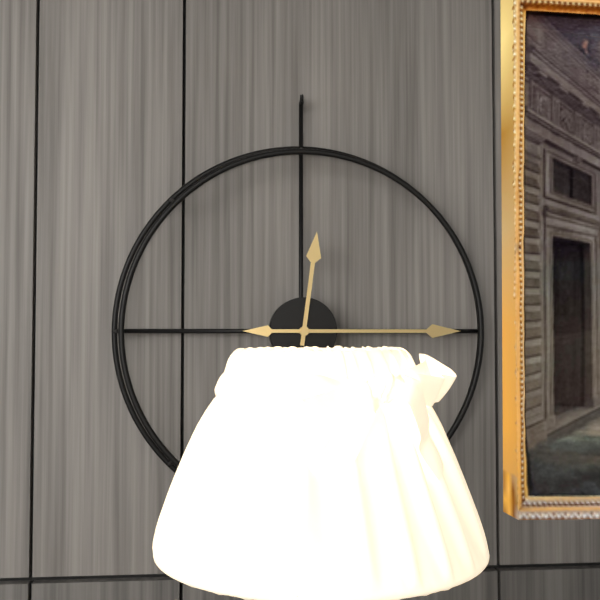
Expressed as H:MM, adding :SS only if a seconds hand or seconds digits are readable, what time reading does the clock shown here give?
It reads 12:15
